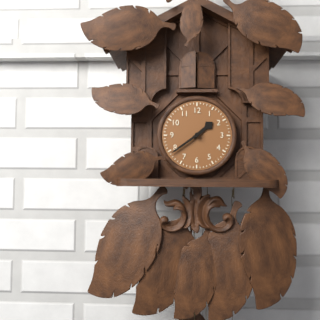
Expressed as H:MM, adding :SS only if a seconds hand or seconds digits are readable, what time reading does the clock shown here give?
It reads 1:39
